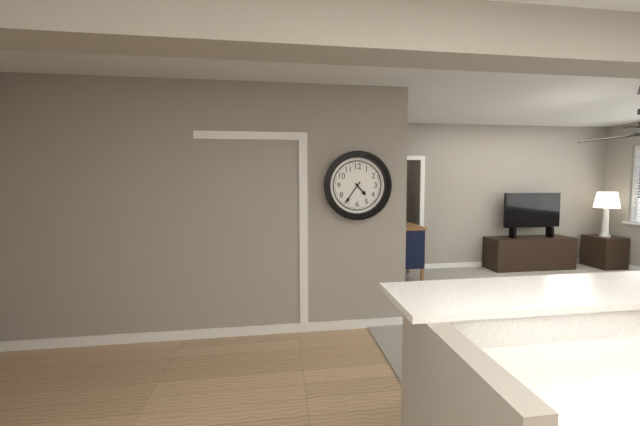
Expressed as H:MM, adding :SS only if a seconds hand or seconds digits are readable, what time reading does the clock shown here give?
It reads 4:36
